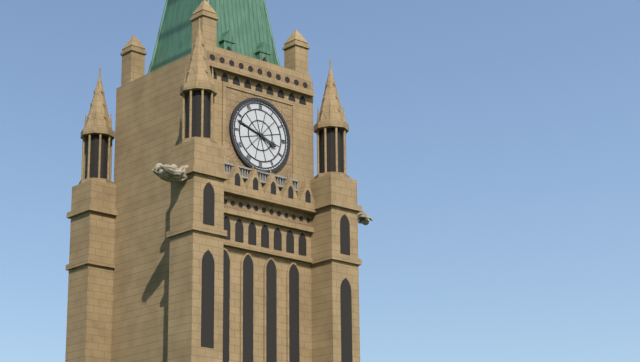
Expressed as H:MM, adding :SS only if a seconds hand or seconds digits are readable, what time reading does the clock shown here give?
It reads 3:48
